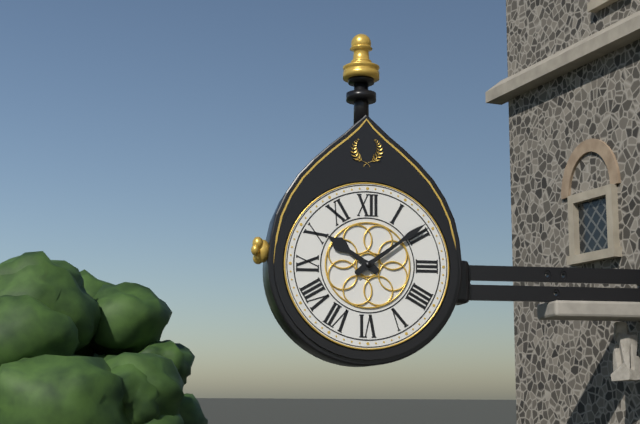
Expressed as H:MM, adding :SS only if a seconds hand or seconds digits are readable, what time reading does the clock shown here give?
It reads 10:09
